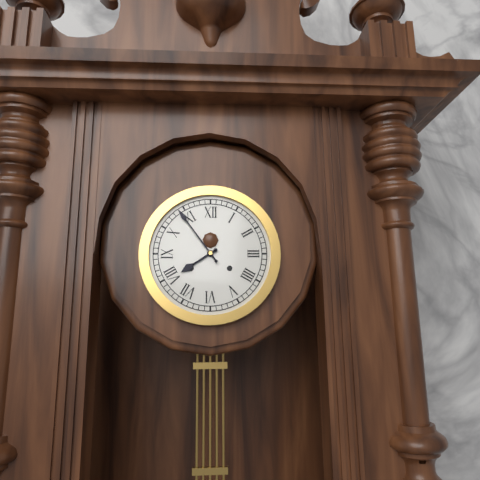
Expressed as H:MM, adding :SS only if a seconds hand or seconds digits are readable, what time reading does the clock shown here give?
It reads 7:54
